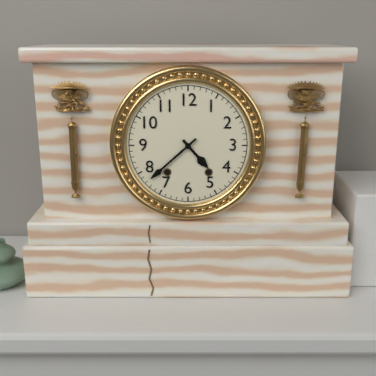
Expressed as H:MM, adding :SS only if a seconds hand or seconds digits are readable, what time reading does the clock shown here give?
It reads 4:38
